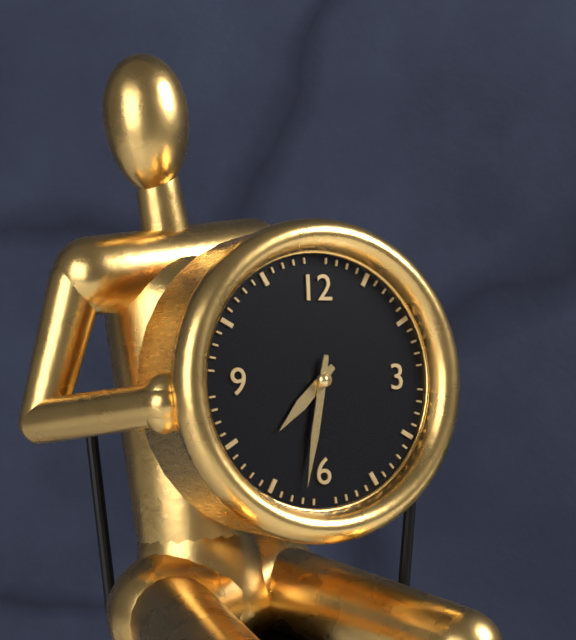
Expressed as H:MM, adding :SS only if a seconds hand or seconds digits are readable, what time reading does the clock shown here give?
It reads 7:32
